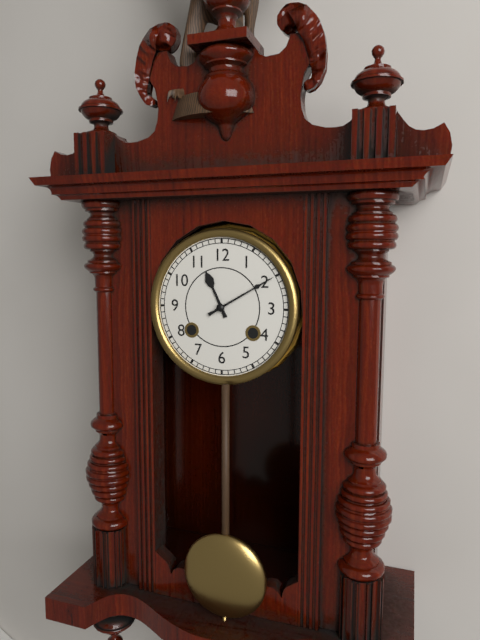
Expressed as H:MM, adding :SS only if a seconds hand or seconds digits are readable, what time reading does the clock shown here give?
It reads 11:10
